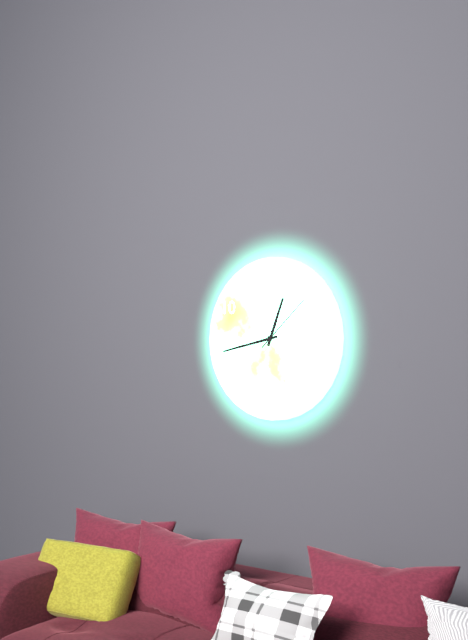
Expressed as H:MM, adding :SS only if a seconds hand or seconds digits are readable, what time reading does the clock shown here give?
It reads 12:43:08
